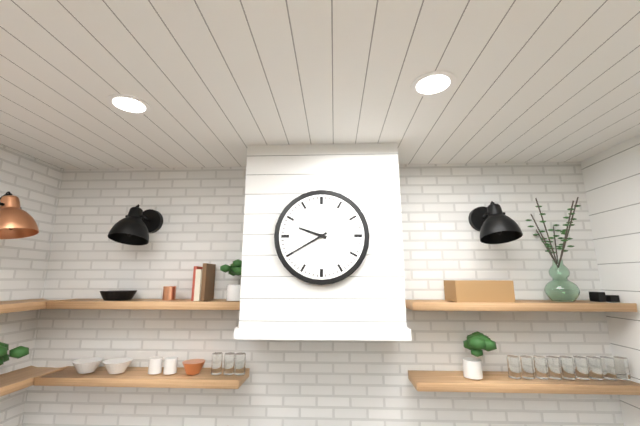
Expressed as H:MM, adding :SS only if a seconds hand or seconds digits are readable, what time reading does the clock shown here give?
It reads 9:40
